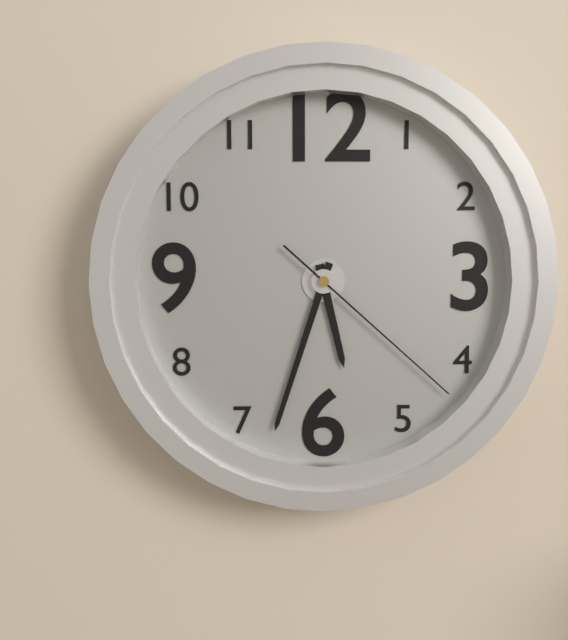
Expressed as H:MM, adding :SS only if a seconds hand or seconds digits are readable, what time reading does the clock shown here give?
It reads 5:33:22
